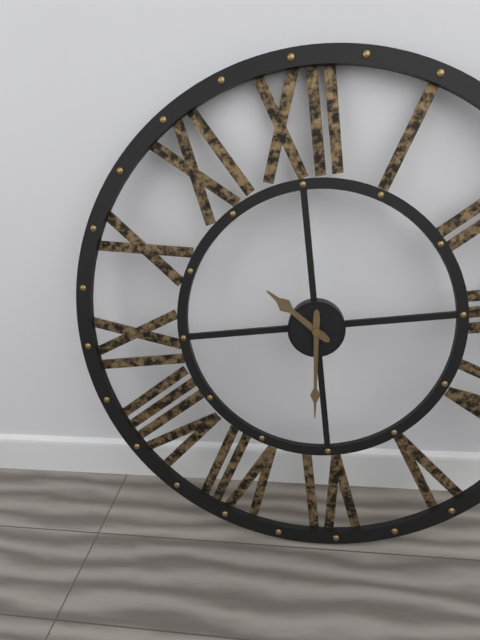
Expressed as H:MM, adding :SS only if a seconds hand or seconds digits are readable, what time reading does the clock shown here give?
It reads 10:31
